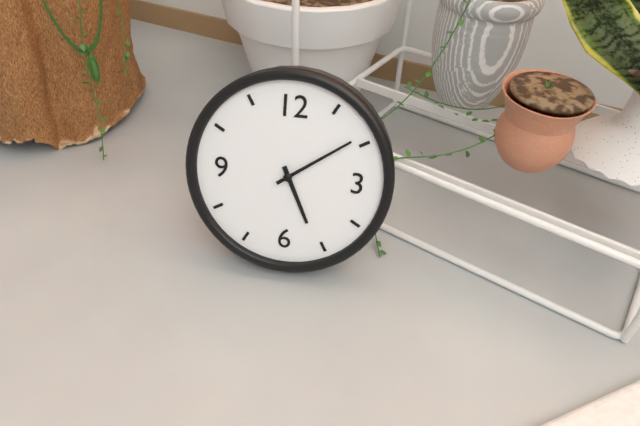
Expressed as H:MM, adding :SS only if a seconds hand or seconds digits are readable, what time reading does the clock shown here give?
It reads 5:09
